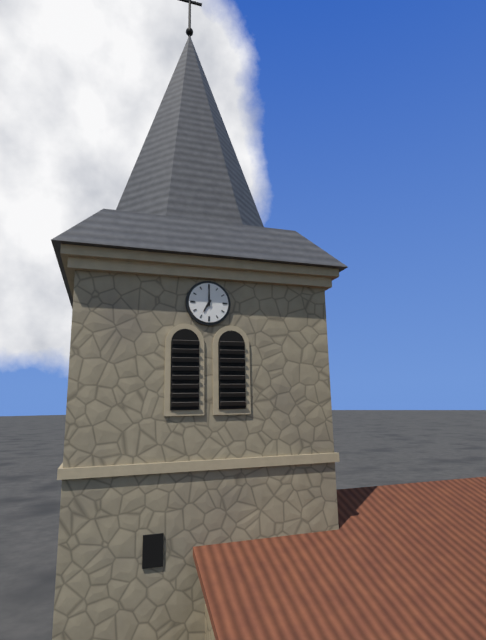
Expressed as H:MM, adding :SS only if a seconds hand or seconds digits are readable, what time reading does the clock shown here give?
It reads 7:00
